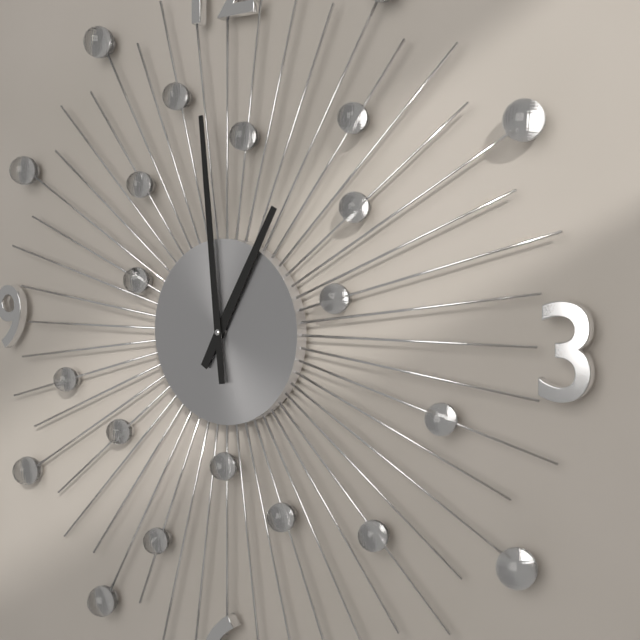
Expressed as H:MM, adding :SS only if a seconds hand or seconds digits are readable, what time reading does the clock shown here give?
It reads 12:59
